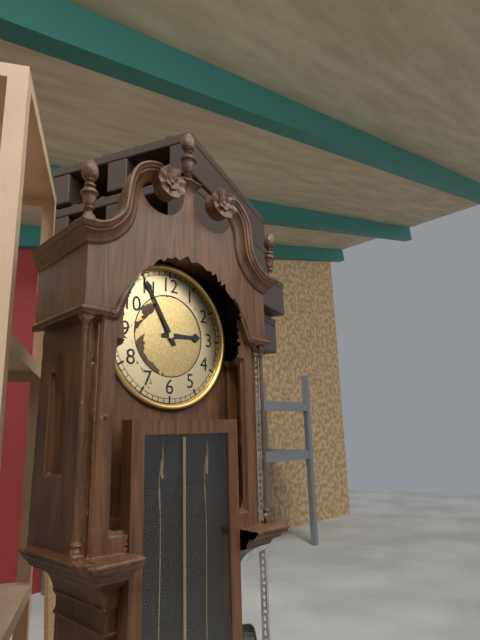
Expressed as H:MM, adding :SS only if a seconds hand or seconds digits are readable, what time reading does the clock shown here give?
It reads 2:55
